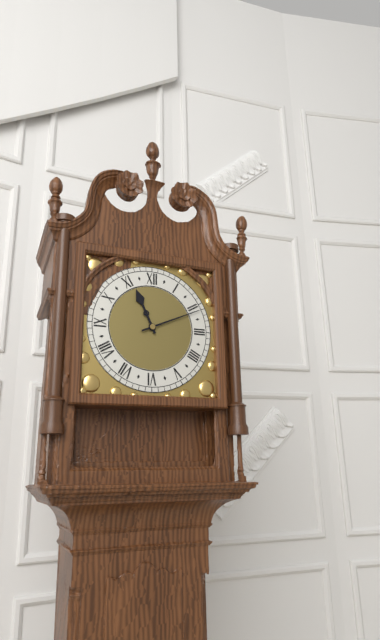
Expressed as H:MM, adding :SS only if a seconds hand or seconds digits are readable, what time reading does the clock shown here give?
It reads 11:11
